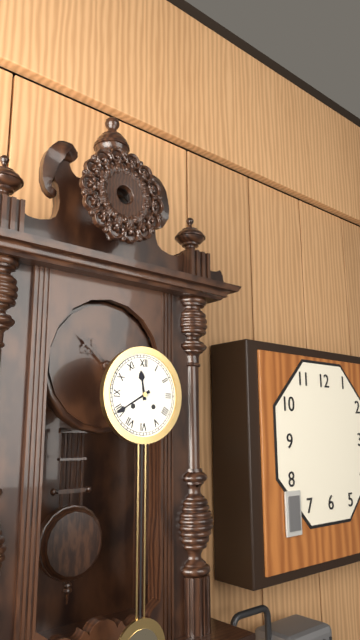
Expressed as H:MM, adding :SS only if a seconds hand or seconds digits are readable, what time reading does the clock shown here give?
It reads 11:40
